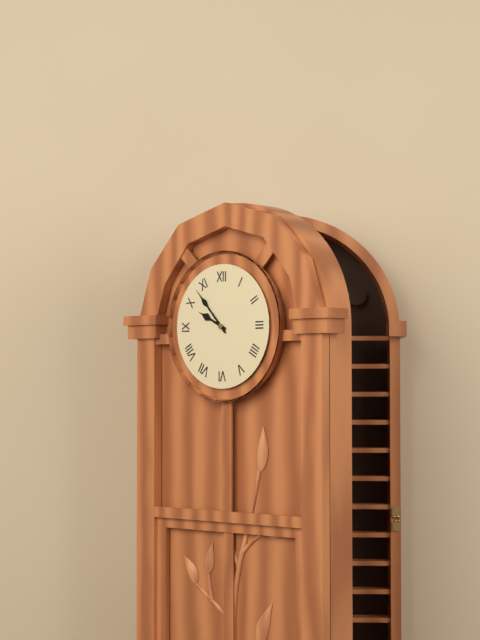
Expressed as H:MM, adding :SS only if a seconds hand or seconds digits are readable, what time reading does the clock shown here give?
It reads 9:53
